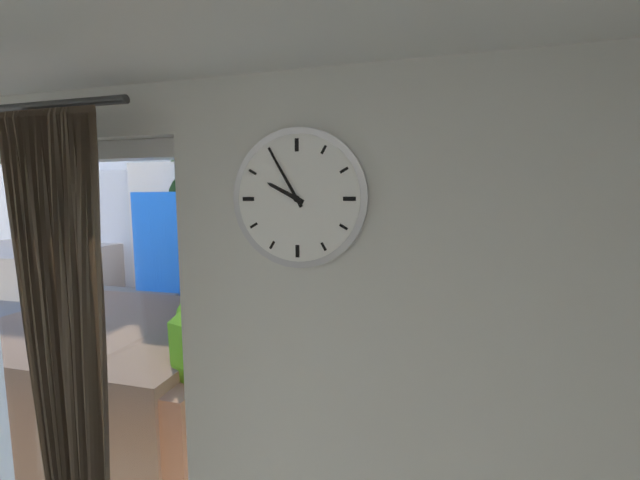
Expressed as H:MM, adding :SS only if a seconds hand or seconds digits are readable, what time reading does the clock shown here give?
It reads 9:55
